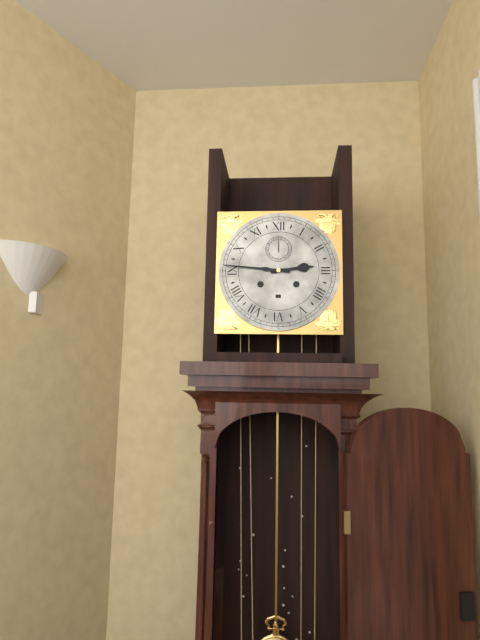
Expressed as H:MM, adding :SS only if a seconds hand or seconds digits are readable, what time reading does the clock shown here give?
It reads 2:46
